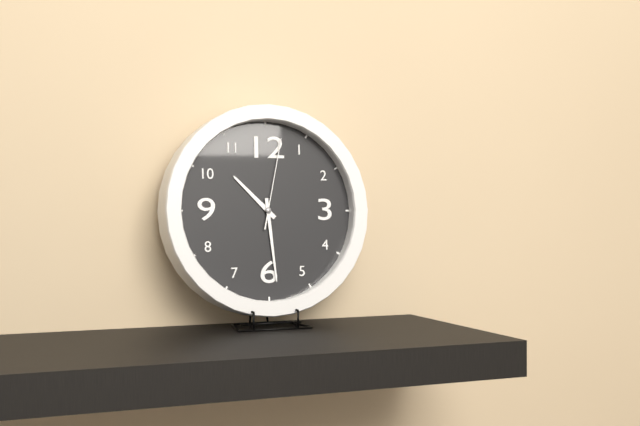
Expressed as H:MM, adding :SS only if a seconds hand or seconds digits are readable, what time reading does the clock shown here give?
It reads 10:29:02
